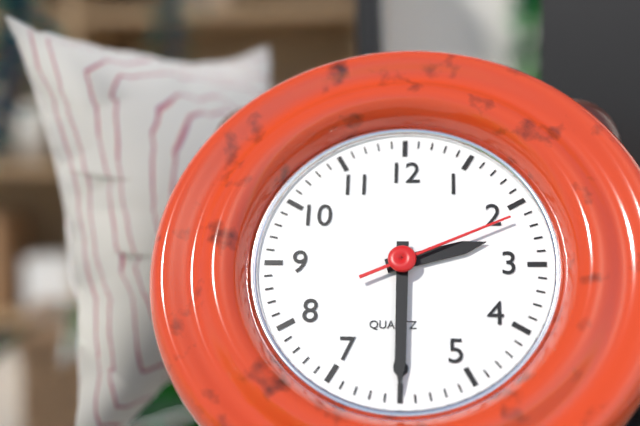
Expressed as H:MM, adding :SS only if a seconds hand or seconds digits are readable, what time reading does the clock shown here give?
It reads 2:30:11
